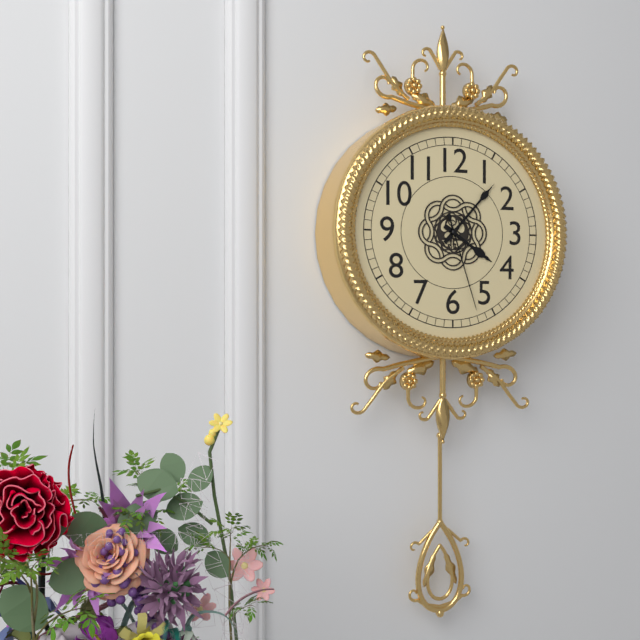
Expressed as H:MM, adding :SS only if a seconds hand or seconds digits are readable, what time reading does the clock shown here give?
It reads 4:07:27
